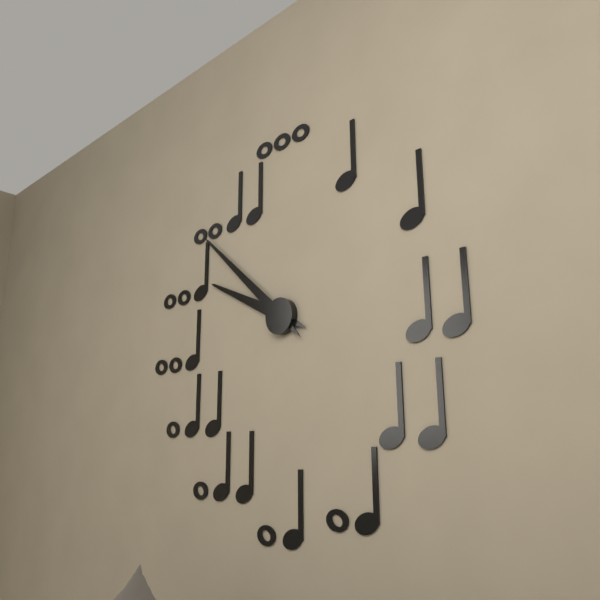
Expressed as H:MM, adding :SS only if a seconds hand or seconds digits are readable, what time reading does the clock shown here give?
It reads 9:52
